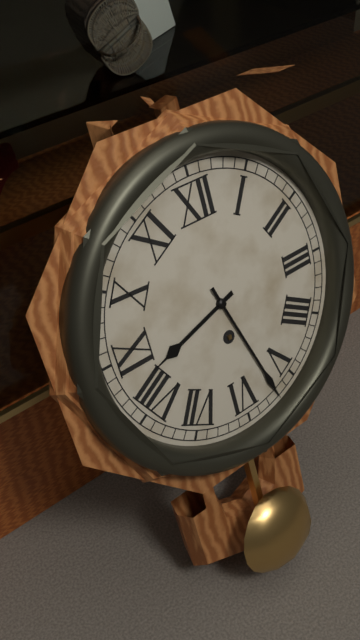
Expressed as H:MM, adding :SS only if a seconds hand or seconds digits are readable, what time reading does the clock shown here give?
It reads 8:27
